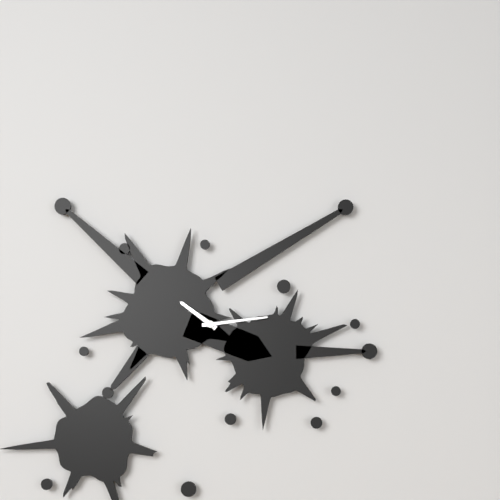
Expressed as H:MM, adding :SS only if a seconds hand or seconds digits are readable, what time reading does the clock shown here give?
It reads 10:14
